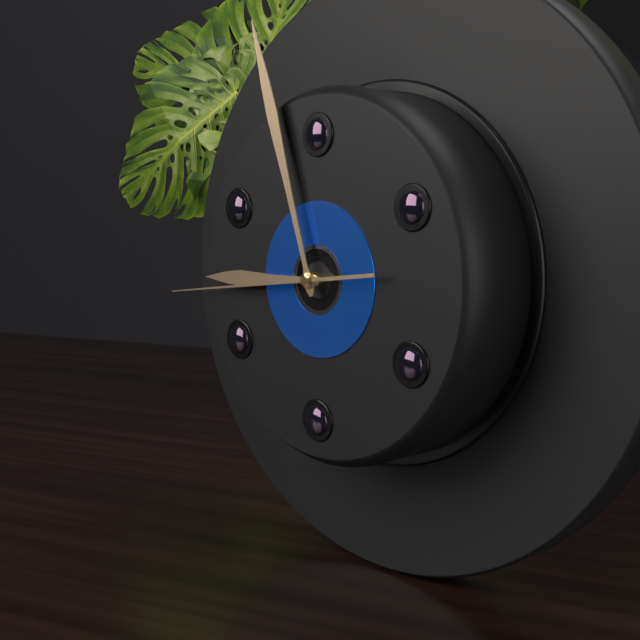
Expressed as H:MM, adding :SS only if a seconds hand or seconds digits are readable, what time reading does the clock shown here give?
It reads 8:57:44
